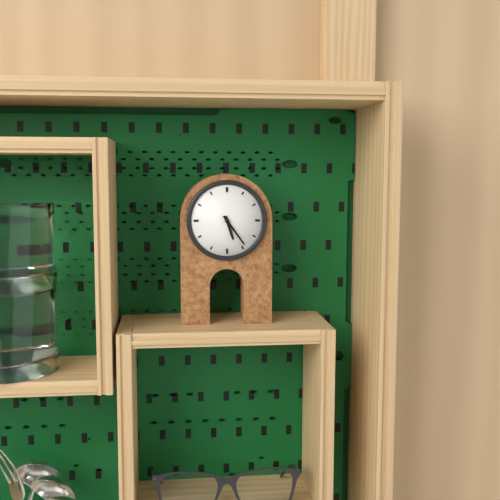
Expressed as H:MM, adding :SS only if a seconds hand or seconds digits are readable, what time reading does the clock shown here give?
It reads 5:24
